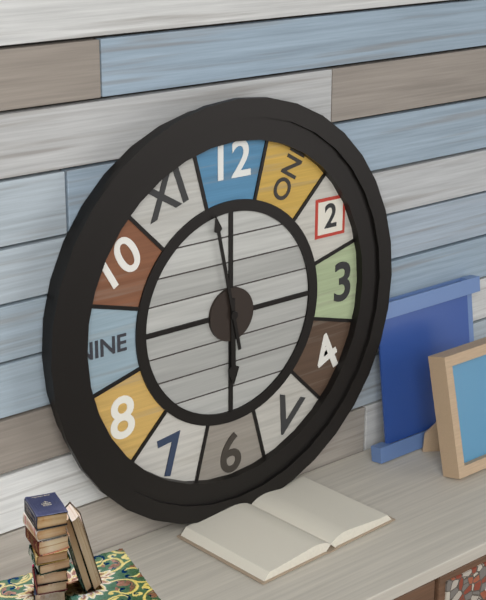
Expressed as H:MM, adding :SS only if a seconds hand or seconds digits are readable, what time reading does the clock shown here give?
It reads 5:58
